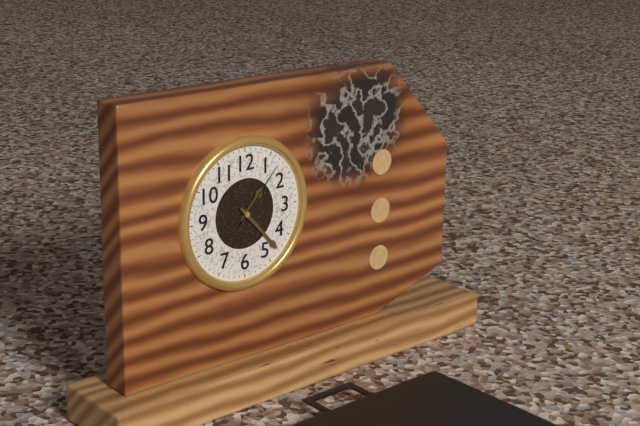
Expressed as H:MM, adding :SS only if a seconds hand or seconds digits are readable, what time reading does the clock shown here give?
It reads 1:23:07
